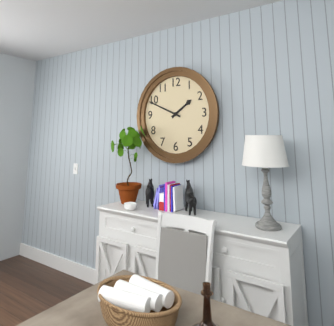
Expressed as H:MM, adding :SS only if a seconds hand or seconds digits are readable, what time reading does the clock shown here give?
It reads 1:49
